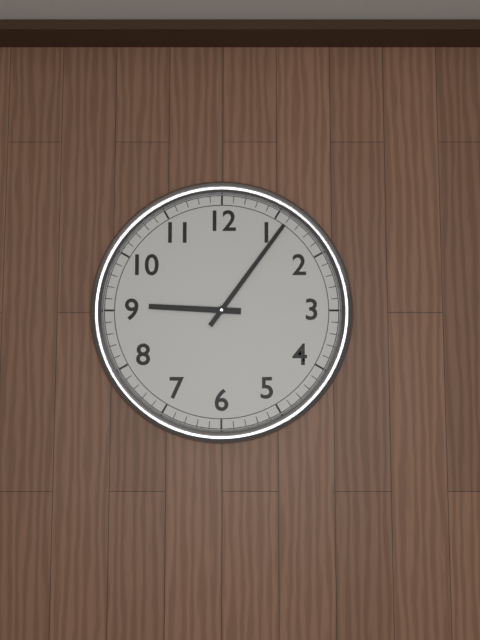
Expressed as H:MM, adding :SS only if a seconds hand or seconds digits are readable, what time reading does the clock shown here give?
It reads 9:06
